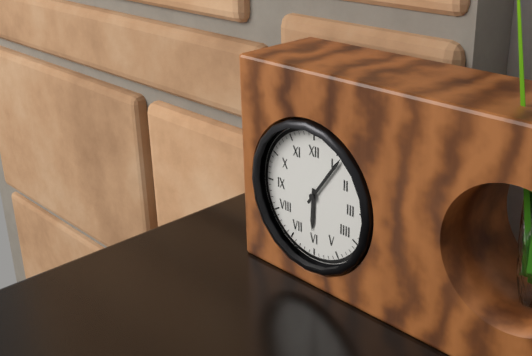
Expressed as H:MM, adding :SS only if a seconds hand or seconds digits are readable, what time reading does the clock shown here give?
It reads 6:06
